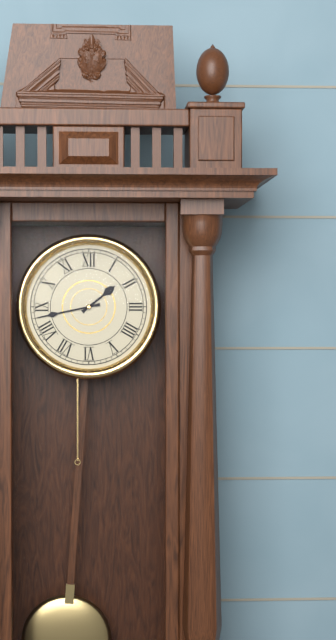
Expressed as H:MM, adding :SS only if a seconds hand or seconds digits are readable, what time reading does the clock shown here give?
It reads 1:43
